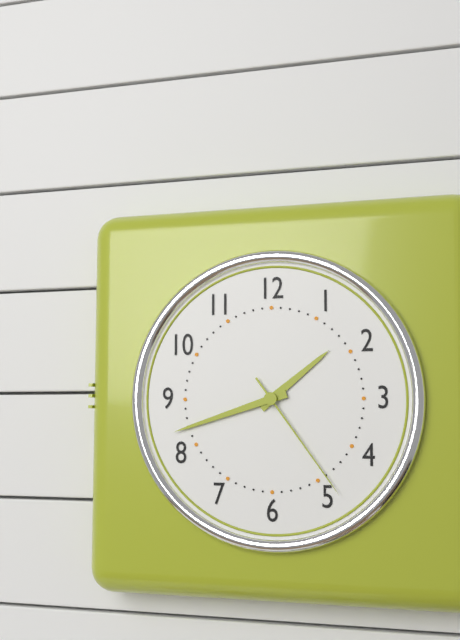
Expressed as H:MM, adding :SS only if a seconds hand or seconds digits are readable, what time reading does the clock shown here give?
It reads 1:42:24
